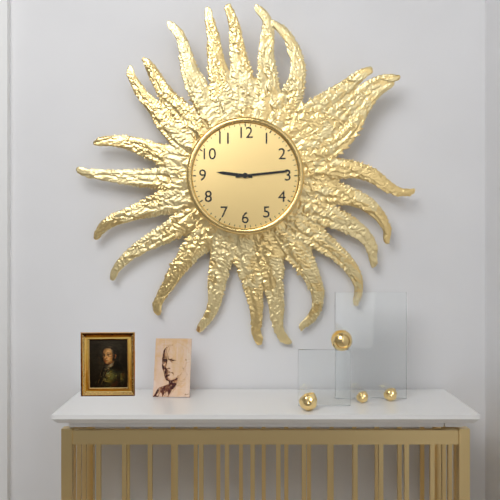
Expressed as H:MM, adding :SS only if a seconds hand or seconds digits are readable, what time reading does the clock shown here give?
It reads 9:14
